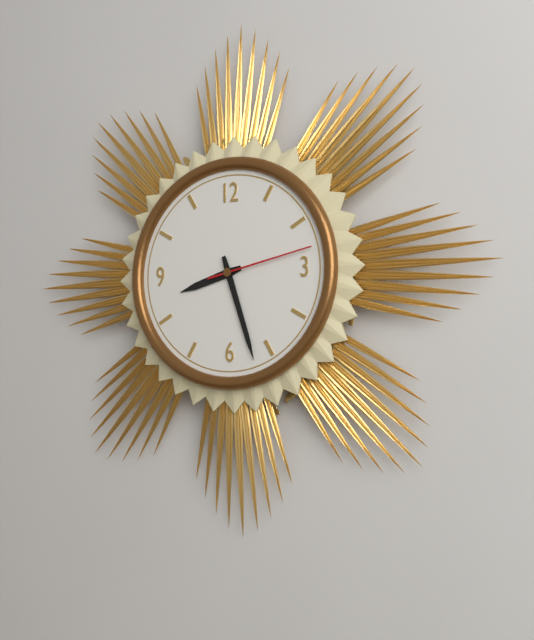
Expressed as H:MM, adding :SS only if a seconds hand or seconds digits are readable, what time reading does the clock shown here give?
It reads 8:27:13
